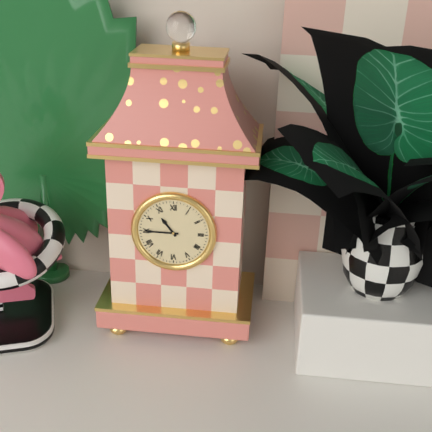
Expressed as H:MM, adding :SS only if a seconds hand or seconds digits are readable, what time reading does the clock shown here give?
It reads 10:45
